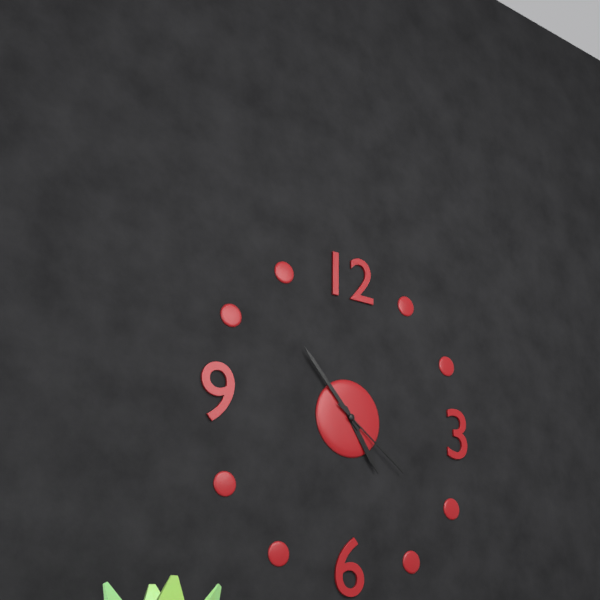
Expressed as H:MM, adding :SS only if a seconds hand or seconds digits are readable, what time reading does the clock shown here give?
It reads 4:53:21
